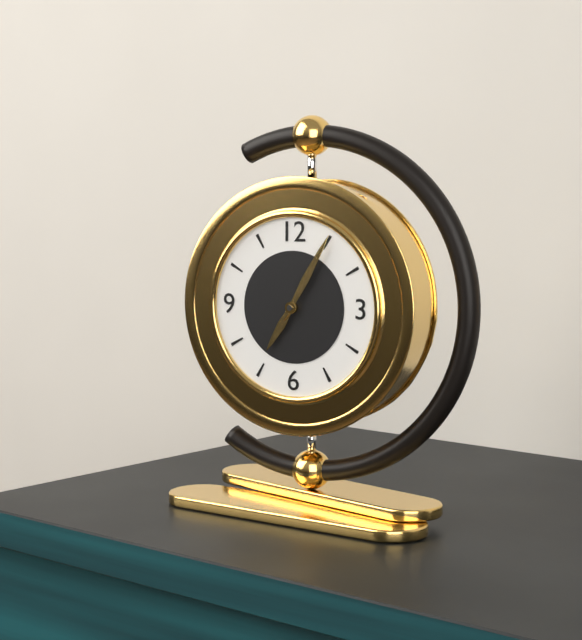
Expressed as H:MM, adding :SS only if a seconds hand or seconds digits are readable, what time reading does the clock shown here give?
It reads 7:05
